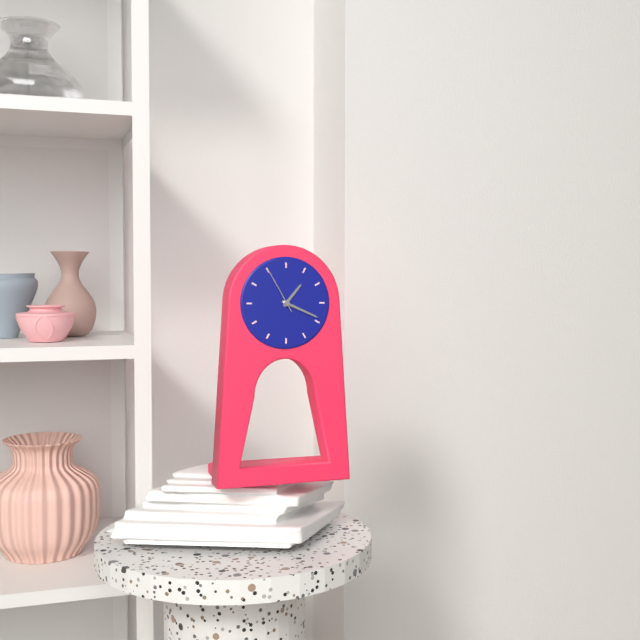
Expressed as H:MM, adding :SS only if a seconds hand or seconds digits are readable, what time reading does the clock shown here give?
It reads 1:19
